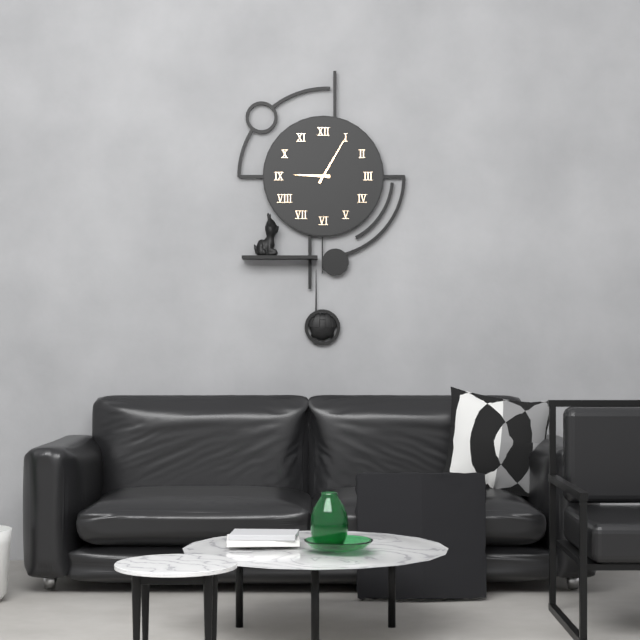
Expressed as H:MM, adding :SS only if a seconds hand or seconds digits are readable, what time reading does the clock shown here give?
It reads 9:05
